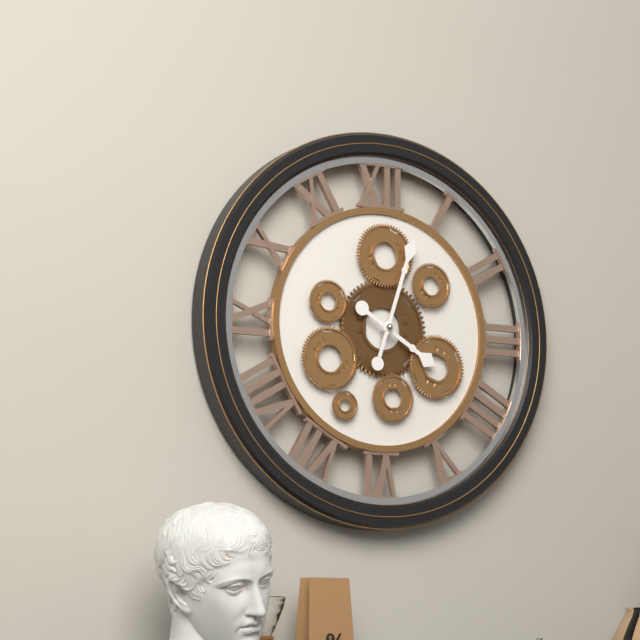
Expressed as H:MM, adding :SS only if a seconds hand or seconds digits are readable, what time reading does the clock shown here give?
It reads 4:03
